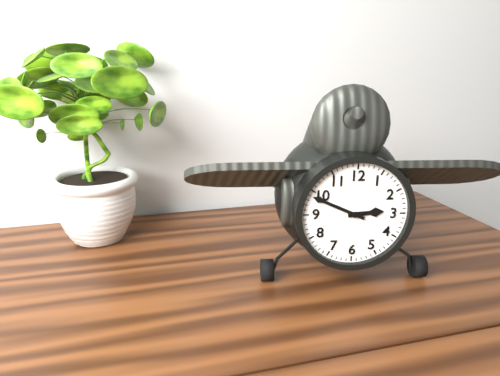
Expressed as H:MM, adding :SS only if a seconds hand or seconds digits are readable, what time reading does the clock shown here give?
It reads 2:49
